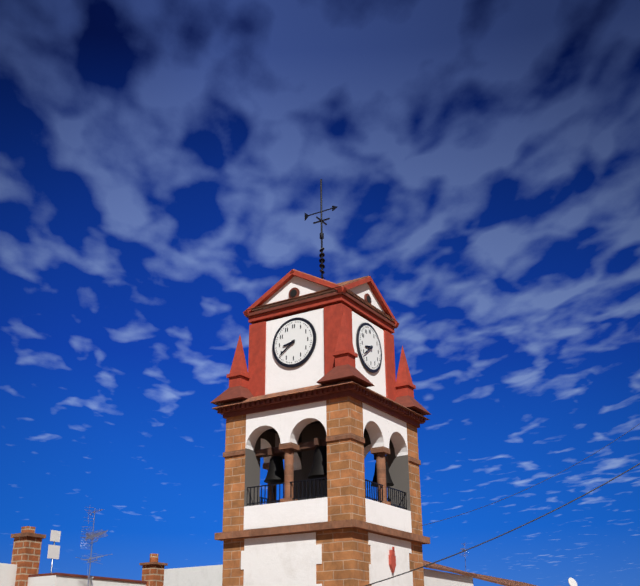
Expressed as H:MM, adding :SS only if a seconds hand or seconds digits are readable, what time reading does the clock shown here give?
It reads 8:39
